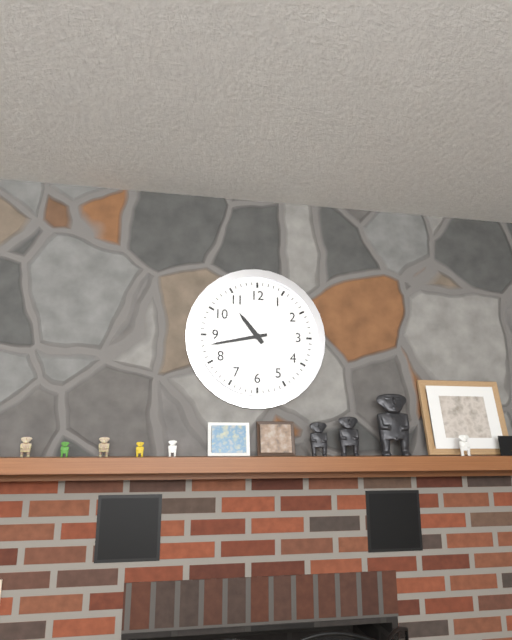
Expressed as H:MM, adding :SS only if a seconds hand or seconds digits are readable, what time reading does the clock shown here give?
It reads 10:43
